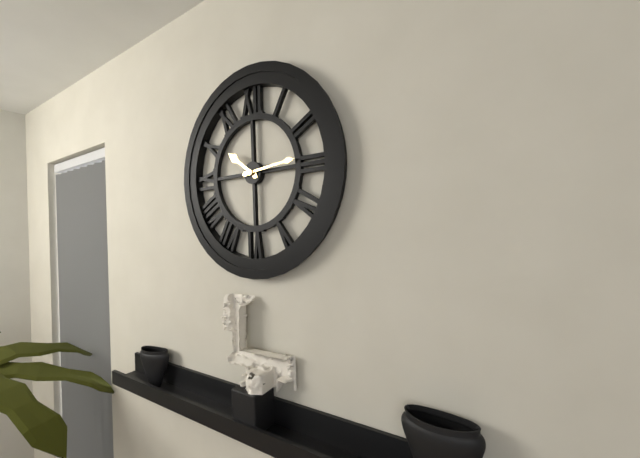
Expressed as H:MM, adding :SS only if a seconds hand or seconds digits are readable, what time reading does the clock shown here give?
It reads 10:14
